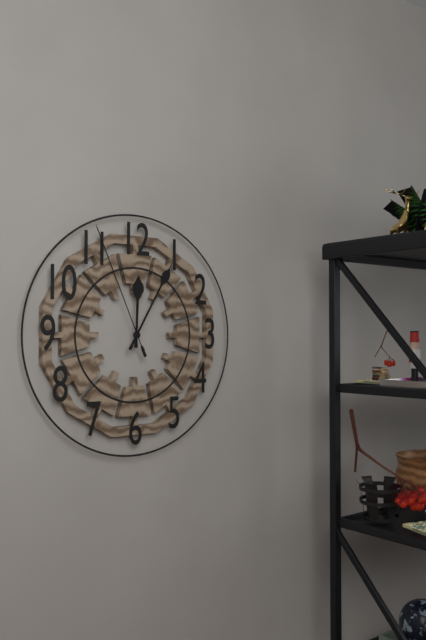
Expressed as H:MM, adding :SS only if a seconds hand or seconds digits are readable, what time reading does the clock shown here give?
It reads 12:05:56
